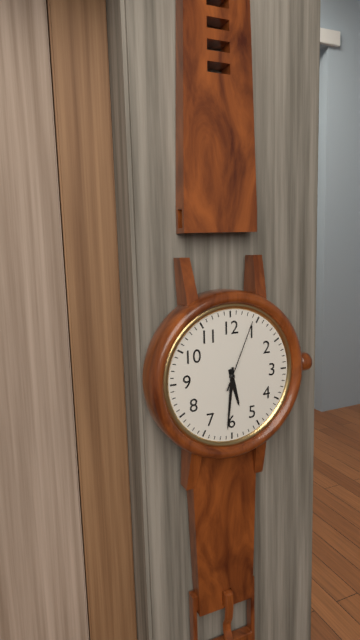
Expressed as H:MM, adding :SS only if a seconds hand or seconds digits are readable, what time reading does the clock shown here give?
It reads 5:31:04
